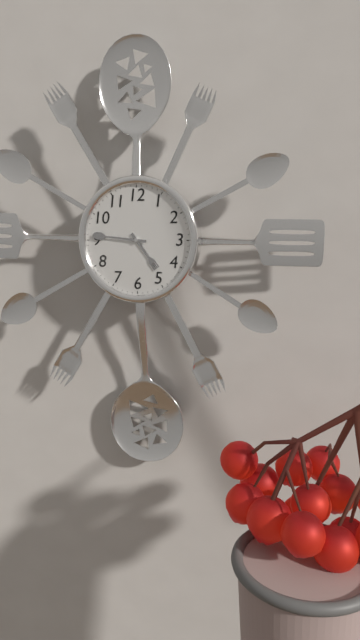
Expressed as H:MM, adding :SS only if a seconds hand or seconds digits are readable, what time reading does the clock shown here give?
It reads 4:46
